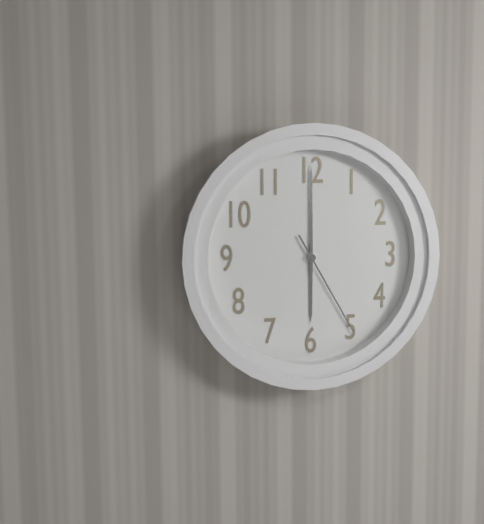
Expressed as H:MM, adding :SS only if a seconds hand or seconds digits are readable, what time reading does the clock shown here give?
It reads 6:00:25
